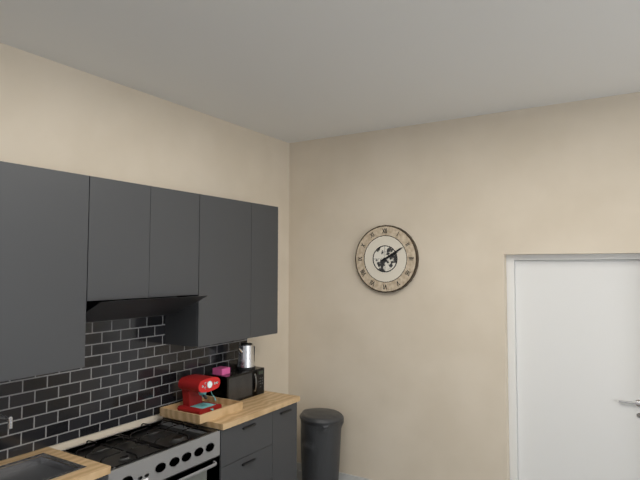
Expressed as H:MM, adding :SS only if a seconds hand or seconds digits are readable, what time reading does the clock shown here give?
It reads 2:10
